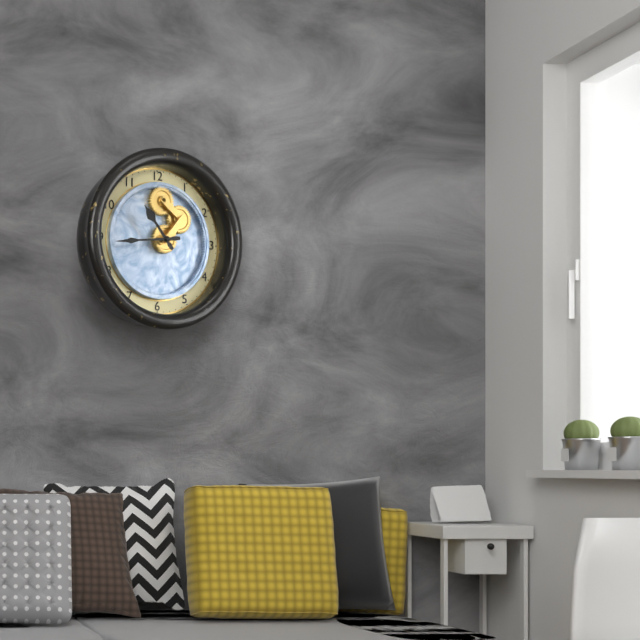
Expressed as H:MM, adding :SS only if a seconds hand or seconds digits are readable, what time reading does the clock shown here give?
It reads 10:44
